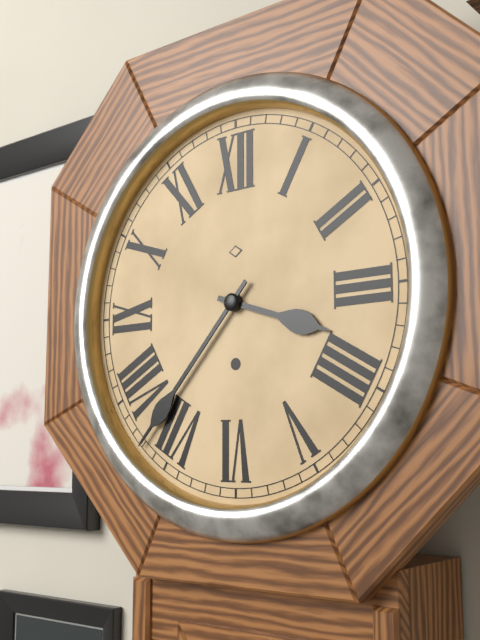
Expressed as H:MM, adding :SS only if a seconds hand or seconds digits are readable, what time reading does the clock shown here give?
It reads 3:37
